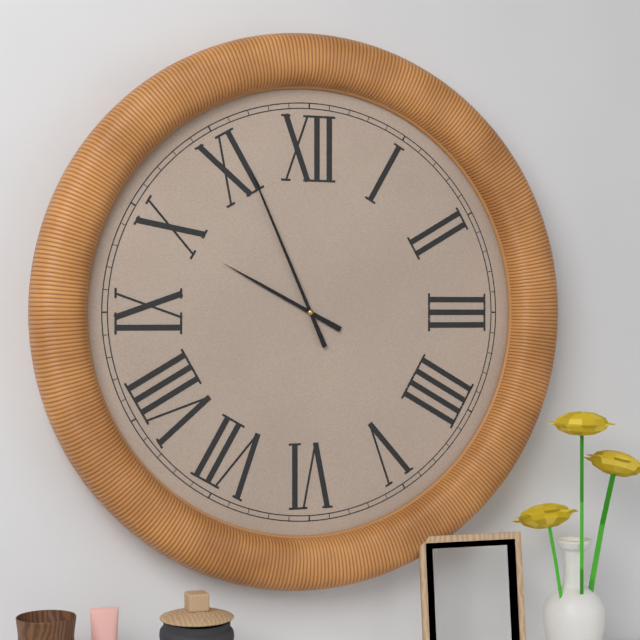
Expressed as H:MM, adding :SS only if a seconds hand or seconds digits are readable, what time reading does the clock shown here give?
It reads 9:56
